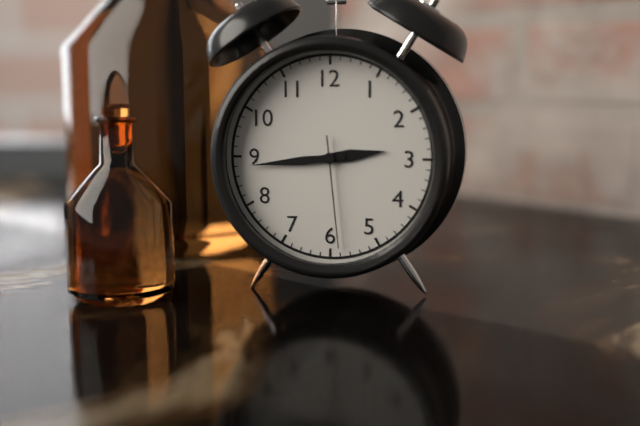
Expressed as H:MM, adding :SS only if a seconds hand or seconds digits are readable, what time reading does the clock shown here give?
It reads 2:44:29
